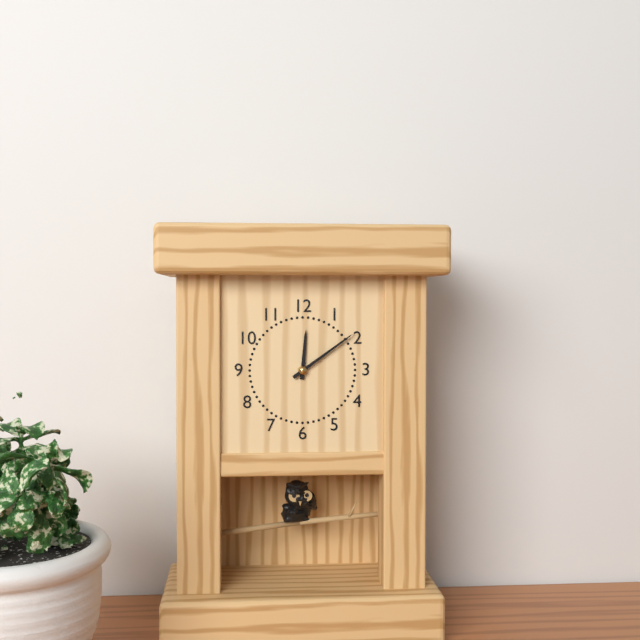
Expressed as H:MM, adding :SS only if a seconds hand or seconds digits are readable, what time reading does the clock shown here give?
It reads 12:09
